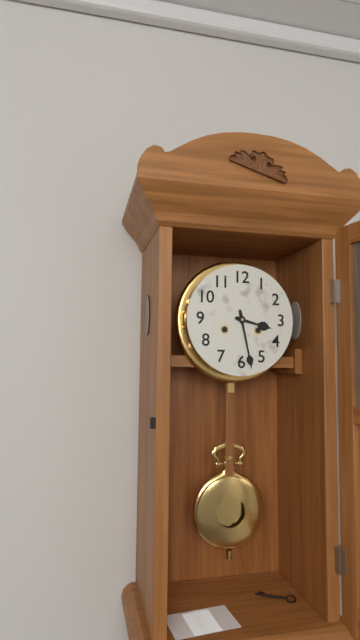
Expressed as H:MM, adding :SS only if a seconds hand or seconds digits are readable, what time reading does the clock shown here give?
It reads 3:28
